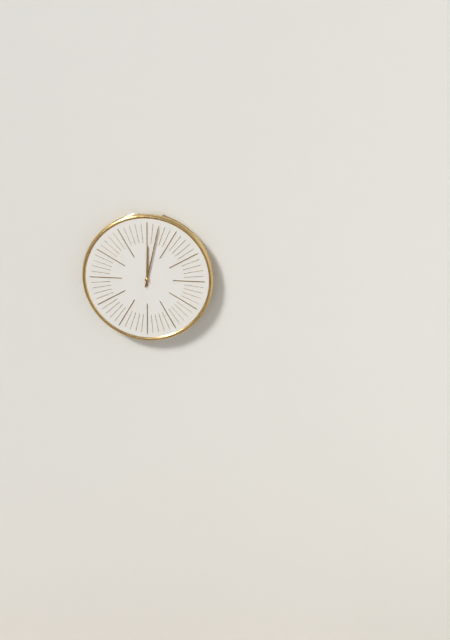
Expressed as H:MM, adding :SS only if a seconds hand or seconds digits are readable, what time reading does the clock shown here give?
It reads 12:02
